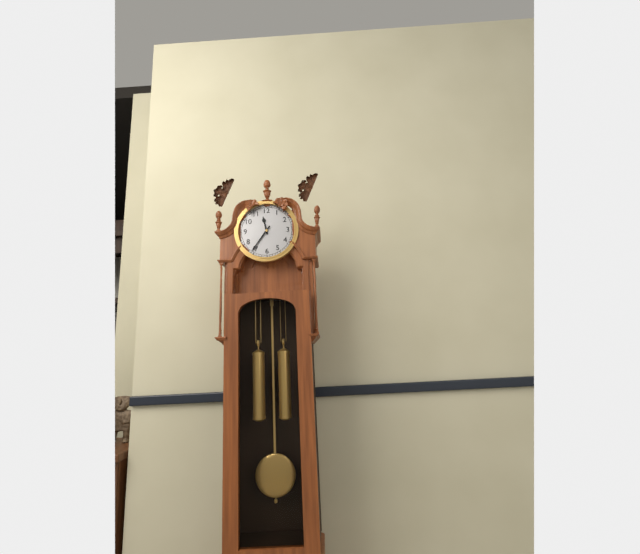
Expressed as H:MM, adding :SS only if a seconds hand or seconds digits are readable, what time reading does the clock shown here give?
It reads 11:36
